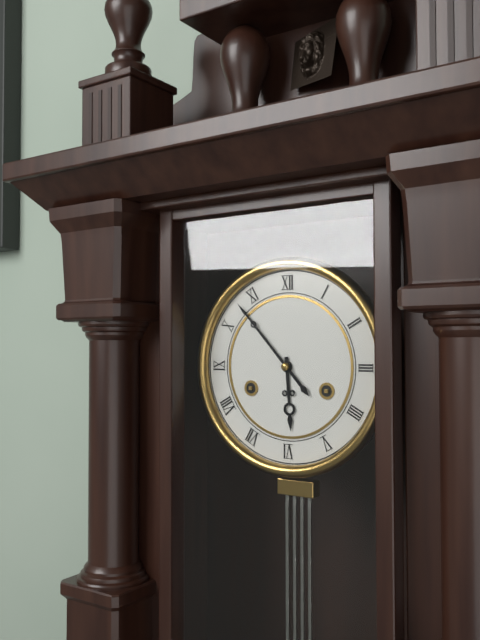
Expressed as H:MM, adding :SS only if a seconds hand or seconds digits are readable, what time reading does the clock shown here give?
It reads 5:53
